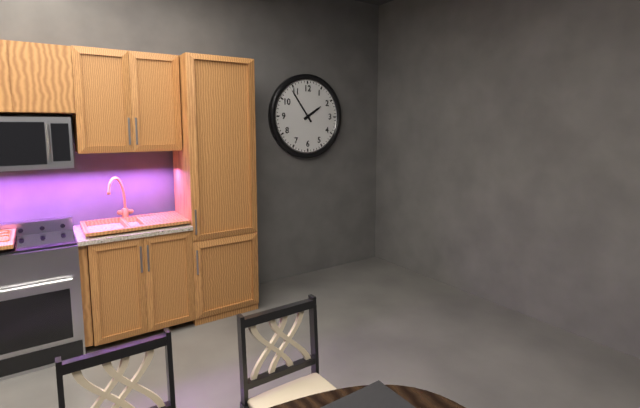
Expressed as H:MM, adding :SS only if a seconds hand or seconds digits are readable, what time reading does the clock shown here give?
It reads 1:54
